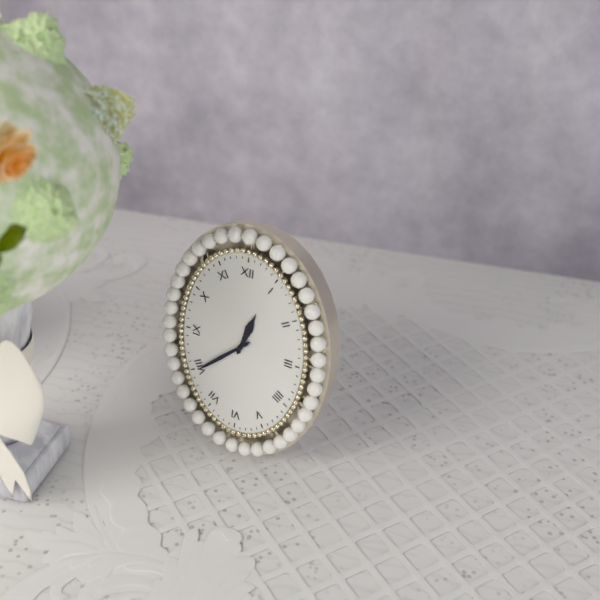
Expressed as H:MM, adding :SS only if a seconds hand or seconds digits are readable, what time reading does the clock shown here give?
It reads 12:38
